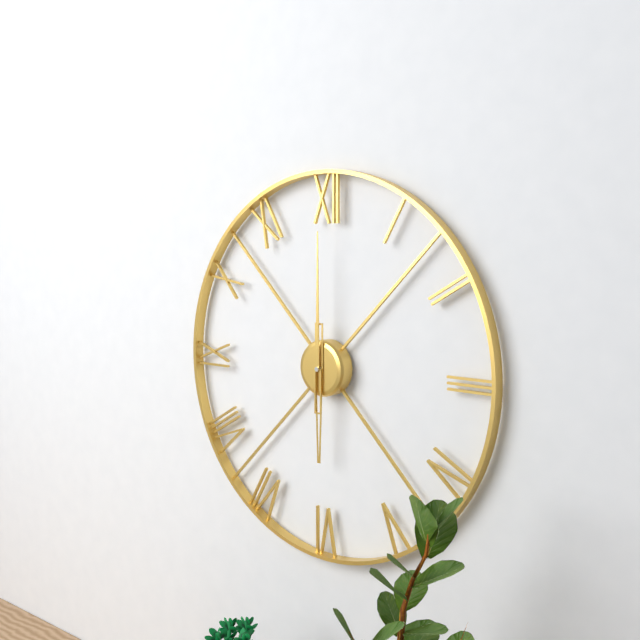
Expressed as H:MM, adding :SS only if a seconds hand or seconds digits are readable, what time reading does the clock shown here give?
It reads 6:00
